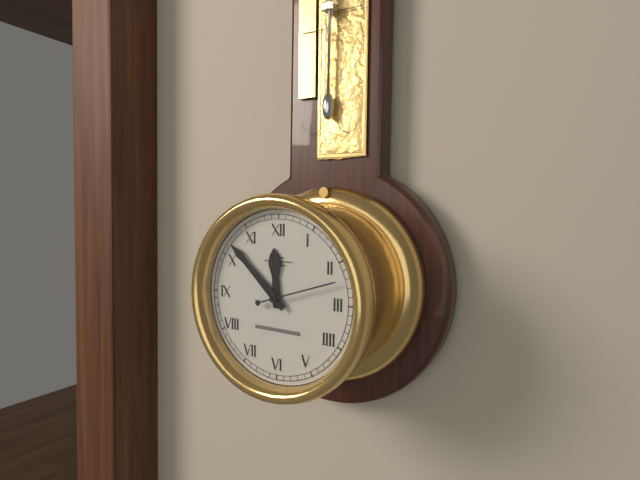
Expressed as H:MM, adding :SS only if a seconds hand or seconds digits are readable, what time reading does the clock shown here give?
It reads 11:52:12
